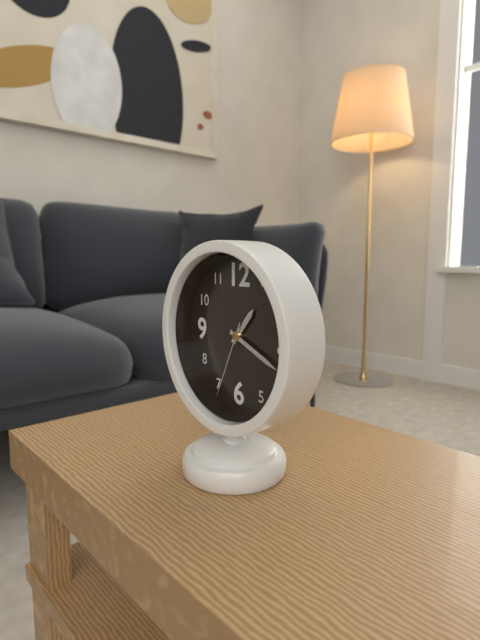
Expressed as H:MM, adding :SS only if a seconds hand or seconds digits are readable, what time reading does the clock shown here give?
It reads 1:19:34
